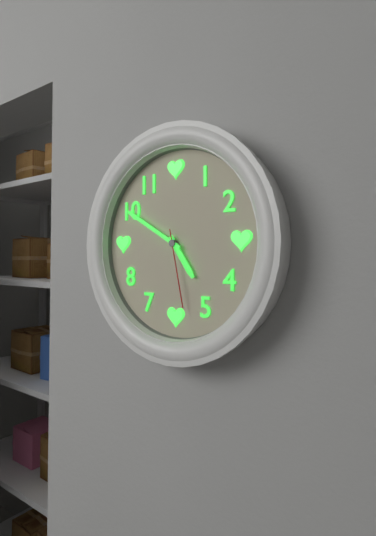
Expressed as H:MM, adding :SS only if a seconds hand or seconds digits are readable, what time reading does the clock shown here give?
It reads 4:50:28
